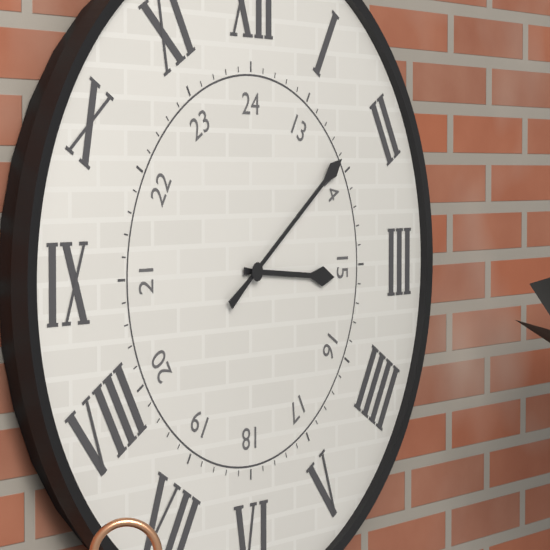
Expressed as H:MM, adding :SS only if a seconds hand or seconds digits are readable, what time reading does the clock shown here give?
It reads 3:09
